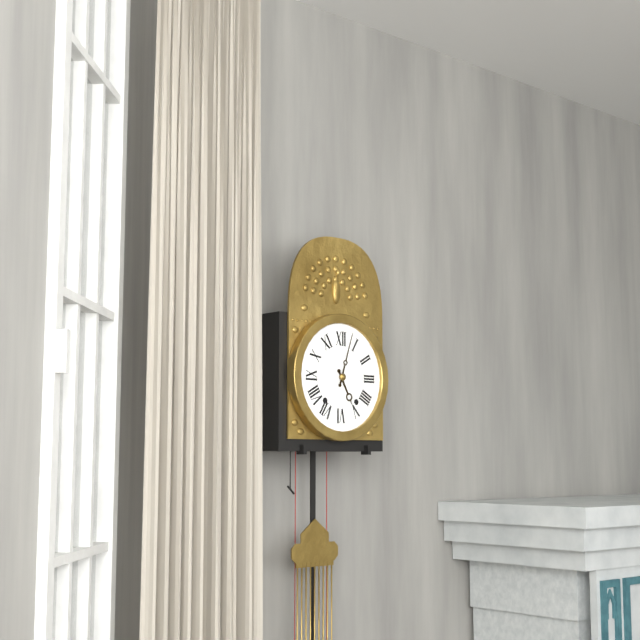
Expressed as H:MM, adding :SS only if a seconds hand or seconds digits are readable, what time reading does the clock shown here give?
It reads 5:03
